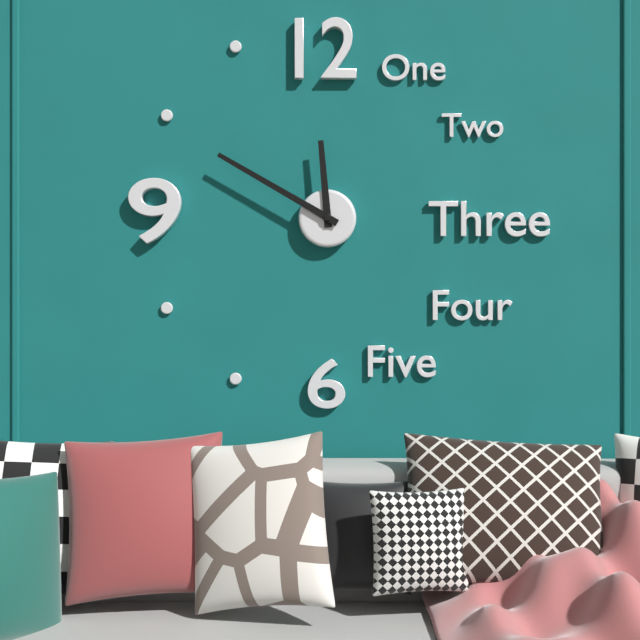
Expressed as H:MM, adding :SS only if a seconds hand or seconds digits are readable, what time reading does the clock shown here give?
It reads 11:50
